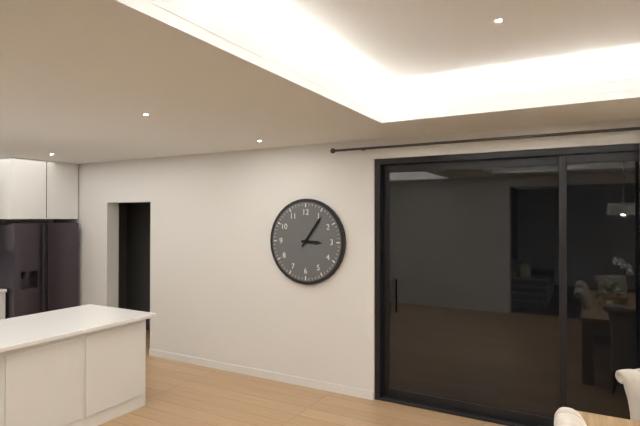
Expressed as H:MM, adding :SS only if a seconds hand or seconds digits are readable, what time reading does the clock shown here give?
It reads 3:06
